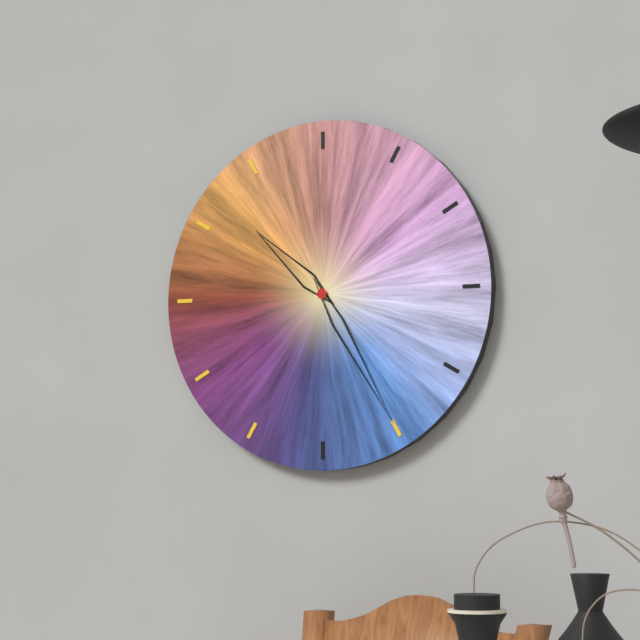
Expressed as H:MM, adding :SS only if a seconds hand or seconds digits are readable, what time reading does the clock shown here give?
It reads 10:25
